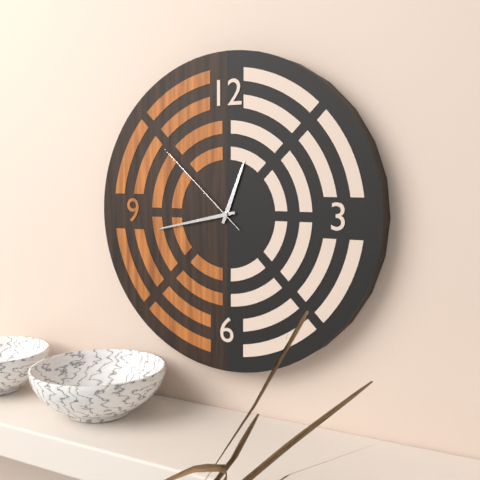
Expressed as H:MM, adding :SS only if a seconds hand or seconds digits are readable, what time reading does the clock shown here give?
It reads 12:43:52
